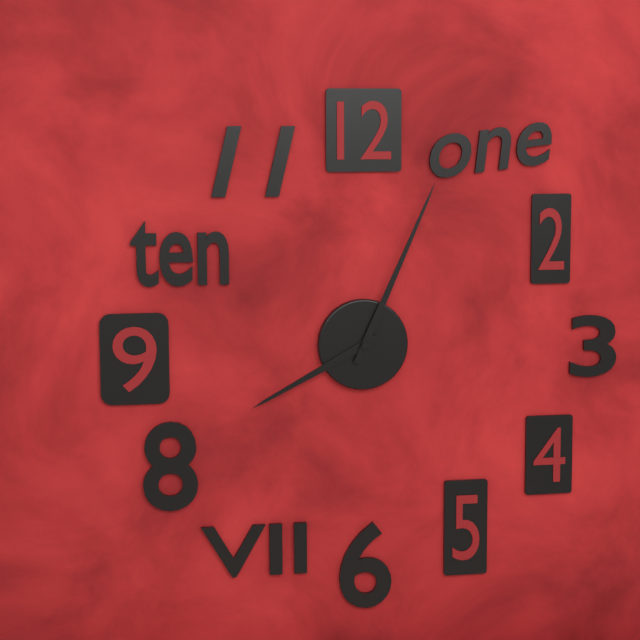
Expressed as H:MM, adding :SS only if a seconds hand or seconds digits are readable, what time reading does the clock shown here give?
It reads 8:04
